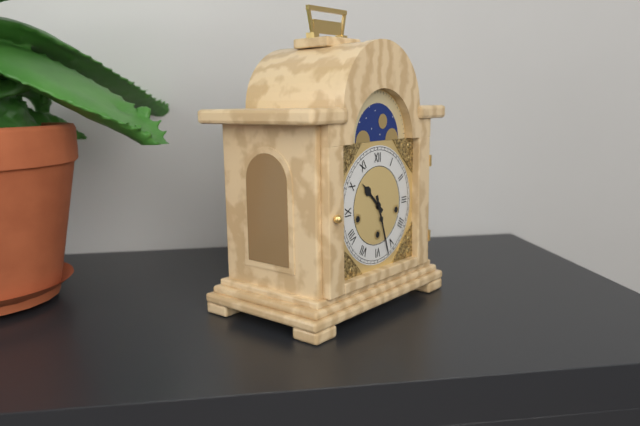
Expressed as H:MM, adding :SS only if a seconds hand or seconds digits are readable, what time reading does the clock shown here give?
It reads 10:27
